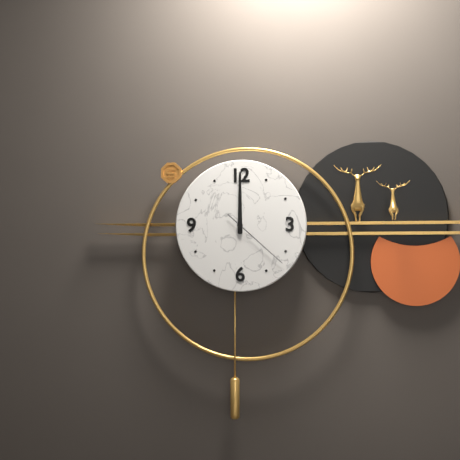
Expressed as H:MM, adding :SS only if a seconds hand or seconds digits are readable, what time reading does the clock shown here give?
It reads 12:00:22
